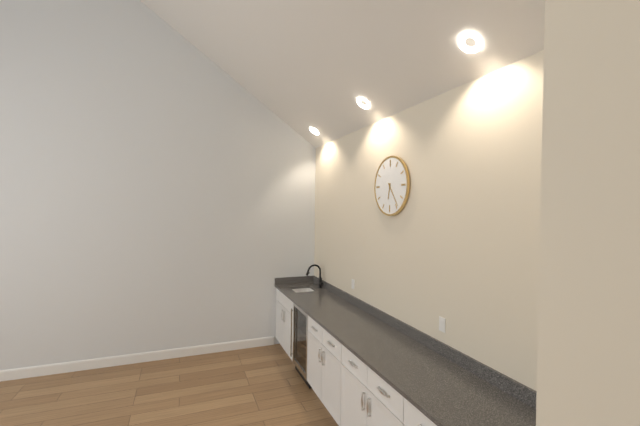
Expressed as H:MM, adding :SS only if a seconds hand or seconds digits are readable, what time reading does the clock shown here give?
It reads 6:24
